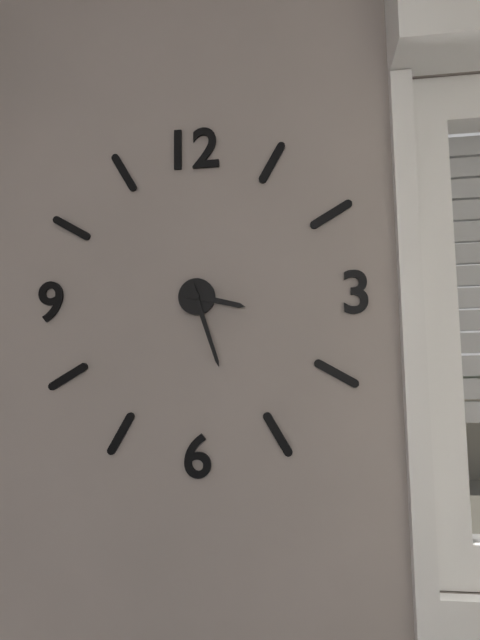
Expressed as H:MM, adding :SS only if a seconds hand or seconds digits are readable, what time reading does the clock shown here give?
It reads 3:27
